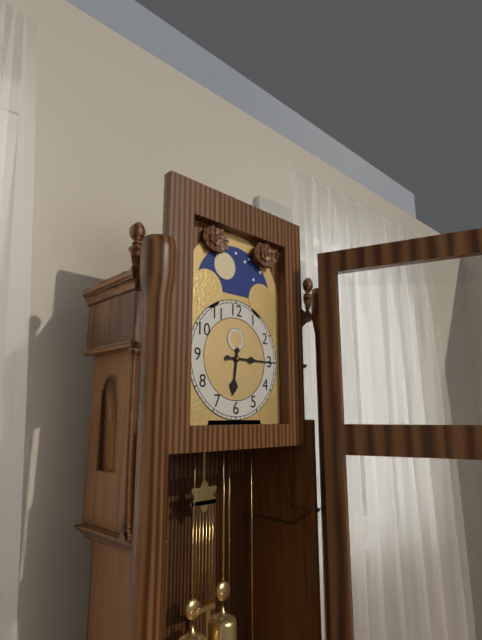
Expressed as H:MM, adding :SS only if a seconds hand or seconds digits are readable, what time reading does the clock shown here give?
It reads 6:15
